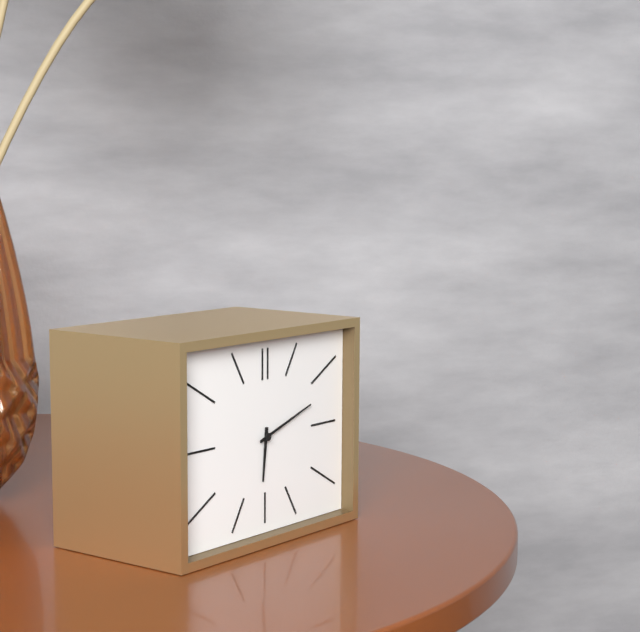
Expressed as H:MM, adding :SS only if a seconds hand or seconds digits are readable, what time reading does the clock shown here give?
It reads 6:12
